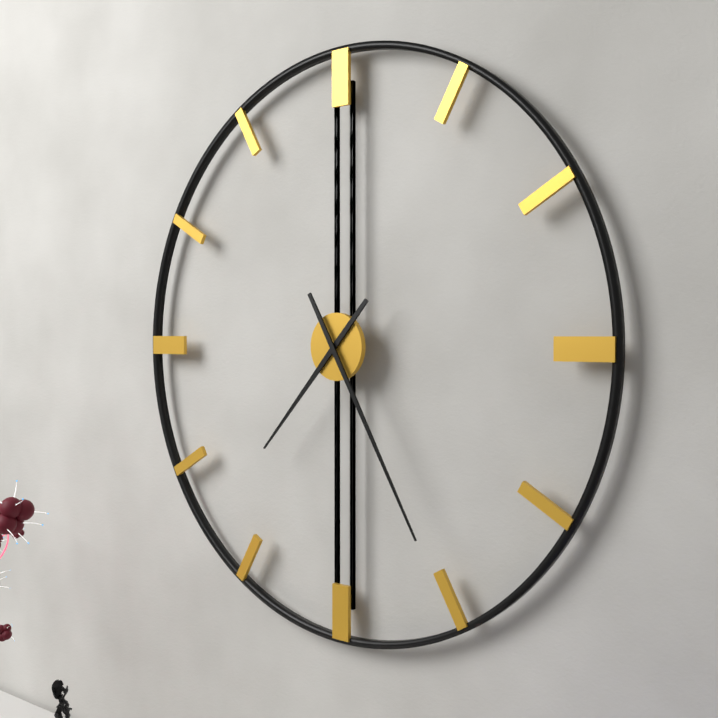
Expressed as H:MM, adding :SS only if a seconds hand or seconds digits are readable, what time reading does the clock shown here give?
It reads 7:25
